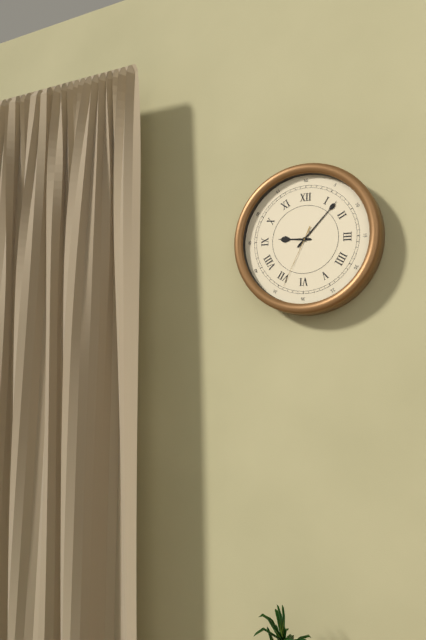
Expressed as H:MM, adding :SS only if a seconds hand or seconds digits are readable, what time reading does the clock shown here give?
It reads 9:07:34
